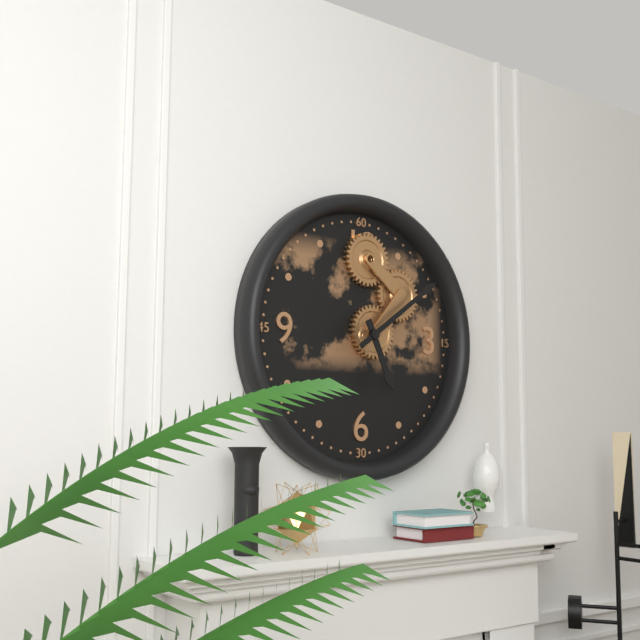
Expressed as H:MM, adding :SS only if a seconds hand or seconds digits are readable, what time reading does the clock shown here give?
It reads 5:09
